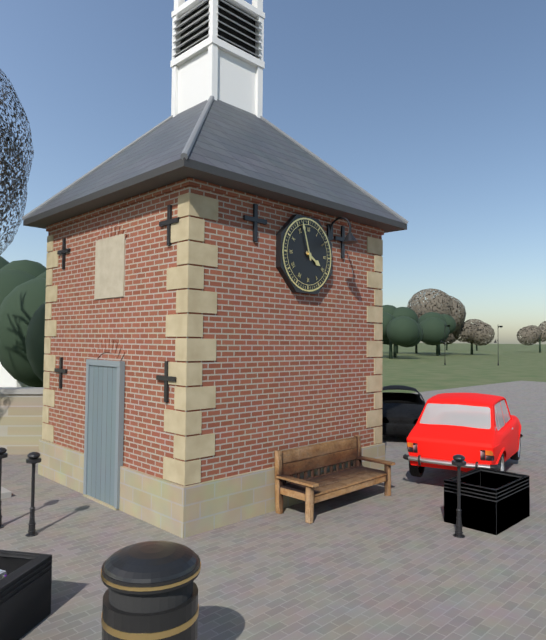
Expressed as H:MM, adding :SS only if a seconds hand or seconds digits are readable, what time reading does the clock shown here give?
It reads 3:57
